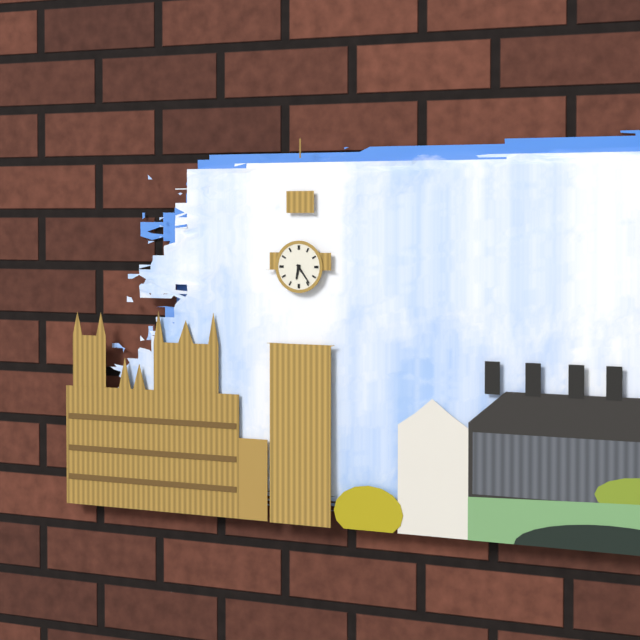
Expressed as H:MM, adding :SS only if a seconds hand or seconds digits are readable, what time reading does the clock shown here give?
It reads 6:24
